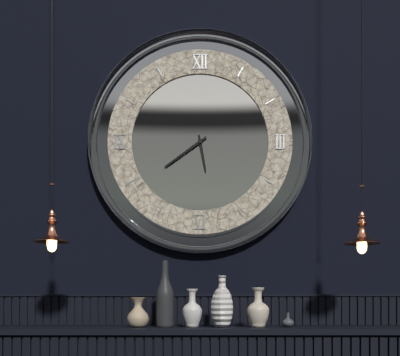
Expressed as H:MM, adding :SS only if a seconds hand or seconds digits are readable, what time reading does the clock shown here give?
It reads 5:39
